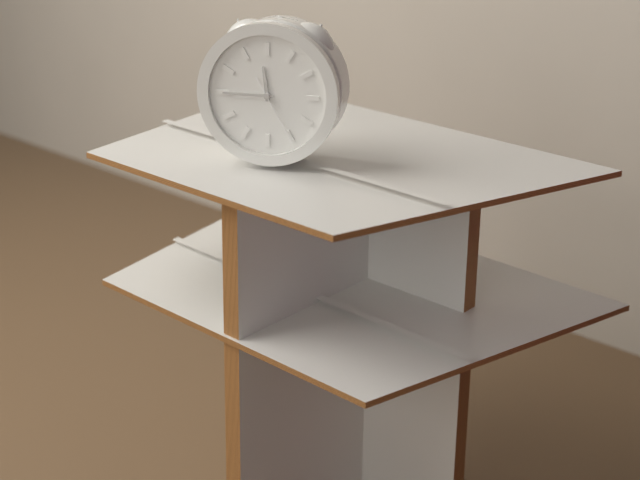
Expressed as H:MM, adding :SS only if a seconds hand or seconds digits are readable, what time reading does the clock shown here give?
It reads 11:45:25
